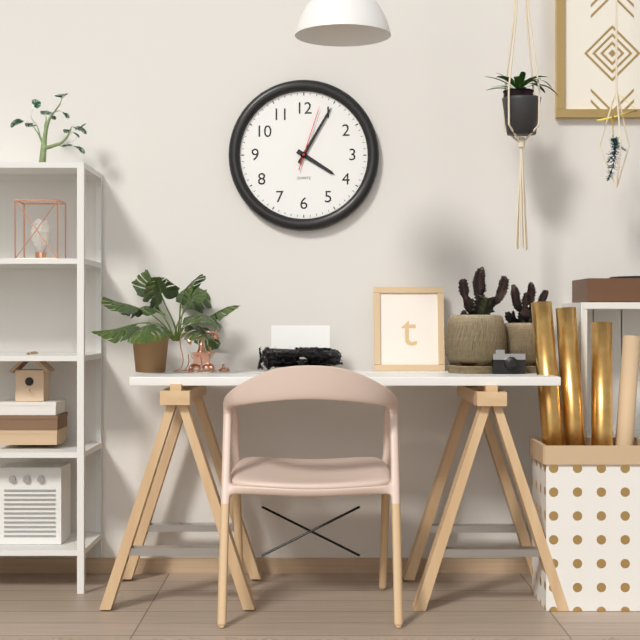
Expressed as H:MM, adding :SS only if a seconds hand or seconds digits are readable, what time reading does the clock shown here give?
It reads 4:05:03
